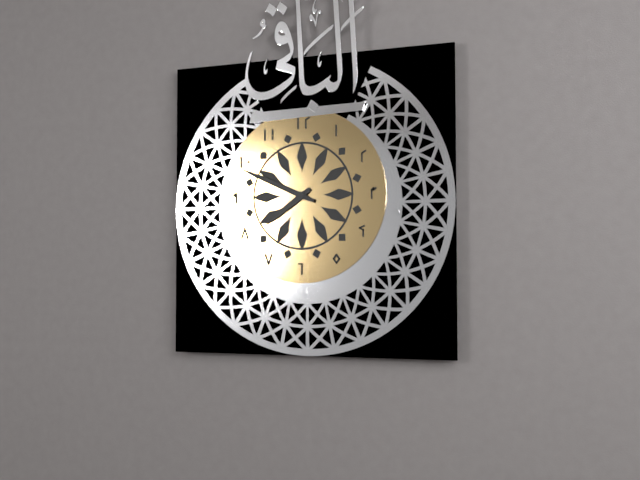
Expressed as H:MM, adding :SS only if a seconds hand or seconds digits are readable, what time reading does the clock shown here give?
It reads 7:49
